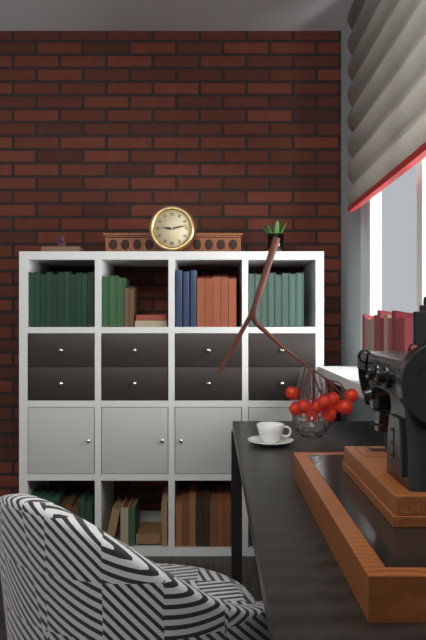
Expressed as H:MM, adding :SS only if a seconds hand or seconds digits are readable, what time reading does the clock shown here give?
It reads 9:13
